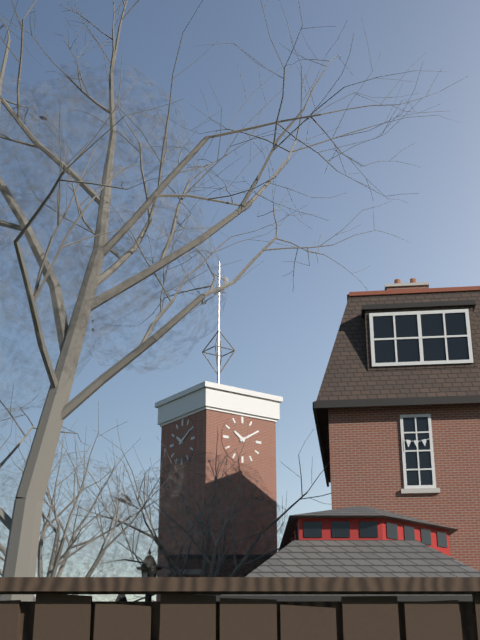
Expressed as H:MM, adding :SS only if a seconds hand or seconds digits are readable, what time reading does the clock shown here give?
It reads 10:10
